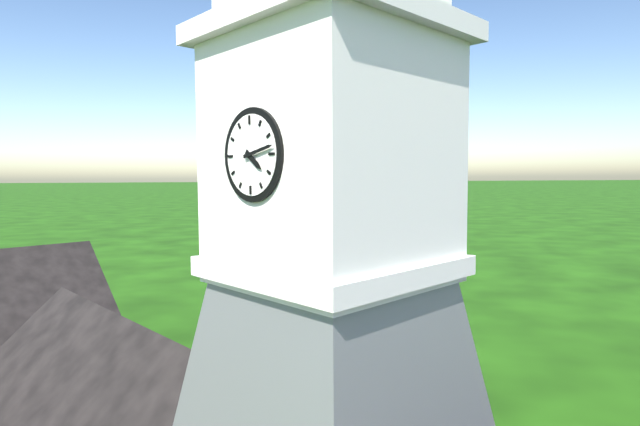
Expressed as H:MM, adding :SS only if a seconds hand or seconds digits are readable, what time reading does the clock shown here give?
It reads 4:13
